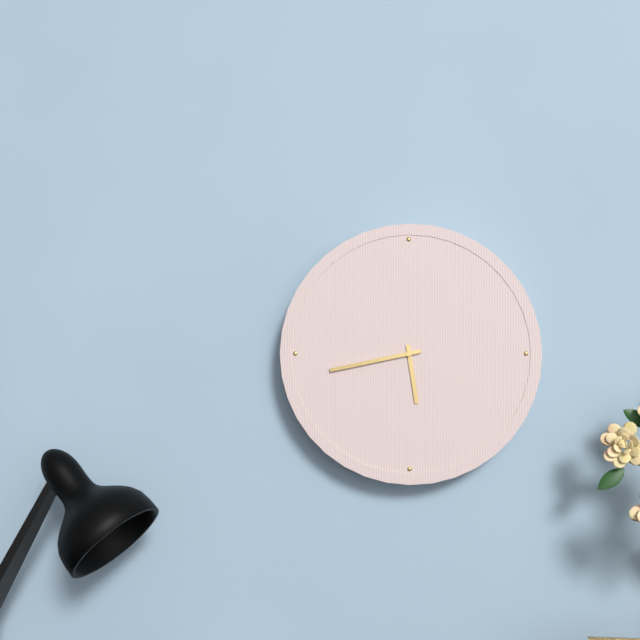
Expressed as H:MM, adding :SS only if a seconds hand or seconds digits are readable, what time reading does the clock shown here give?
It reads 5:43
